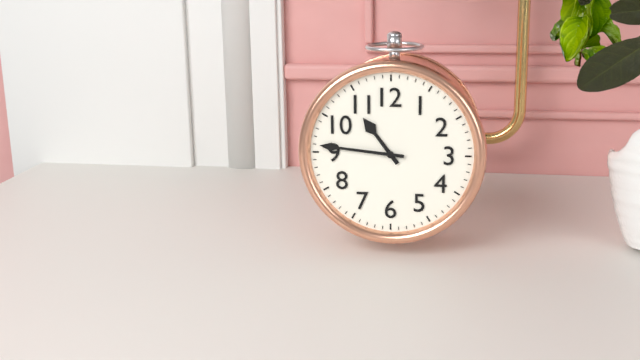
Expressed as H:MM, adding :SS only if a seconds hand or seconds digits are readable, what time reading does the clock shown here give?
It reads 10:46
